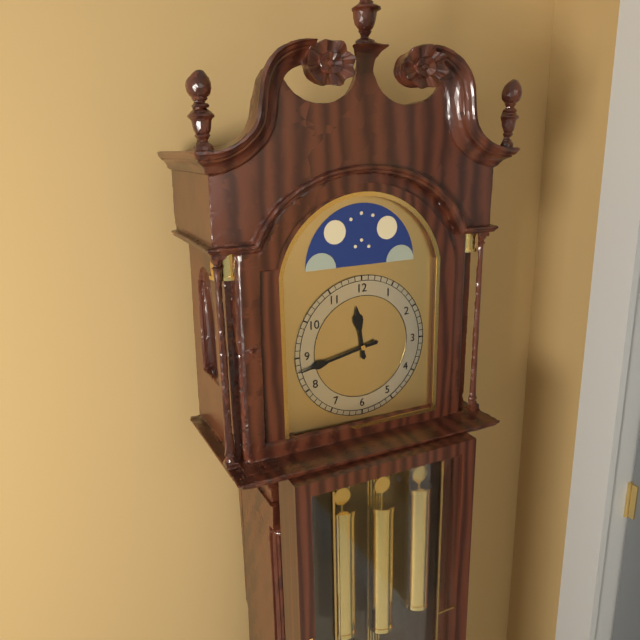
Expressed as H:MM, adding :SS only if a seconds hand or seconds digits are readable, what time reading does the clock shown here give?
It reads 11:43
